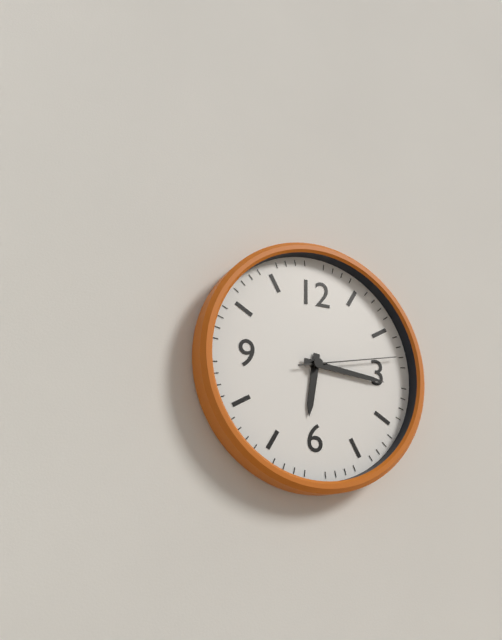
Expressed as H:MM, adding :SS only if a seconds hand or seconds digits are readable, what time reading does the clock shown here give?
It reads 6:16:13
